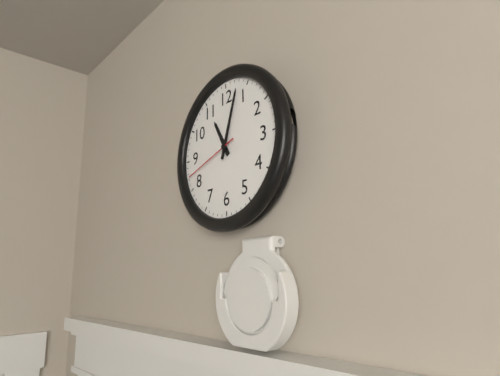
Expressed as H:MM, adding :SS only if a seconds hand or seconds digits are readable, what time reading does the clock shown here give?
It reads 11:03:42
